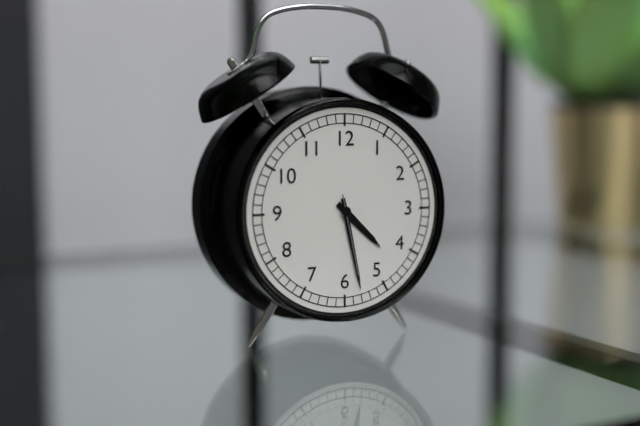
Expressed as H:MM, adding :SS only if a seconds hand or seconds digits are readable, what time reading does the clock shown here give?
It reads 4:28:28
